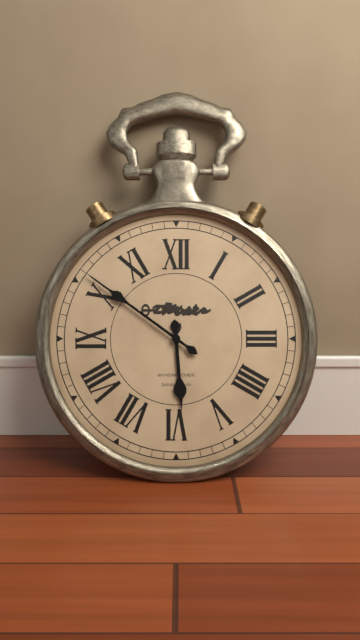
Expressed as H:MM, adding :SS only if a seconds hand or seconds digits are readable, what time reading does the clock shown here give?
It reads 5:51
